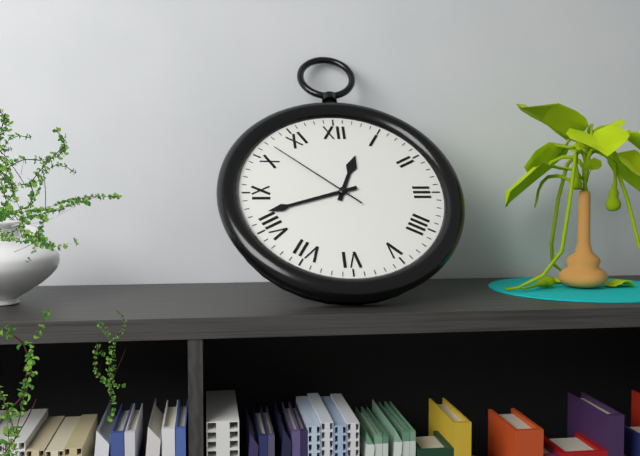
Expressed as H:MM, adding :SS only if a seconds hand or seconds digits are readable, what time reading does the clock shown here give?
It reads 12:42:52
